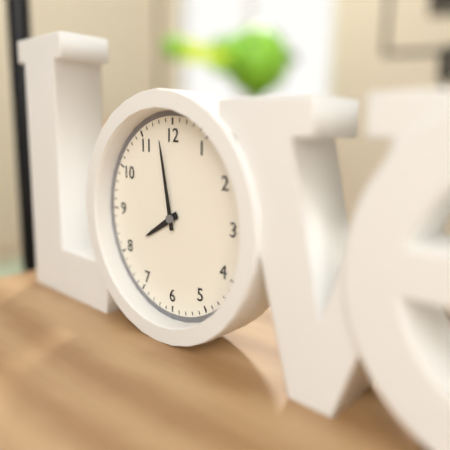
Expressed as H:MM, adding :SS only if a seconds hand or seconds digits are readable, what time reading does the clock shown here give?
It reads 7:58
